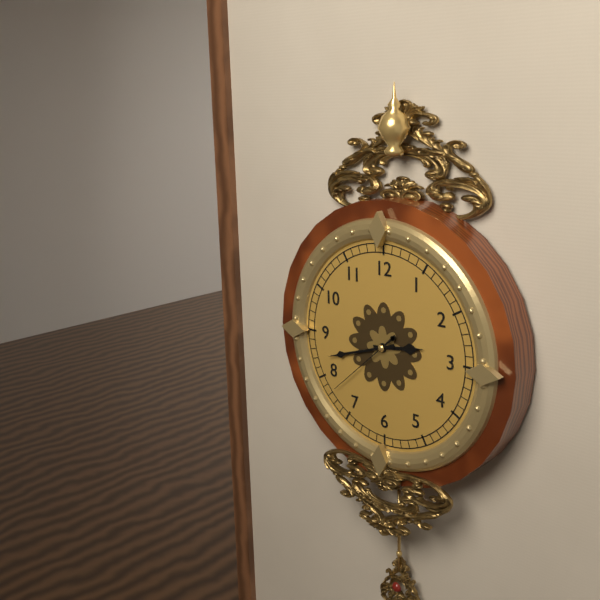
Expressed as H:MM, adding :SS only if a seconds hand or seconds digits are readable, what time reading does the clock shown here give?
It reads 2:42:38
